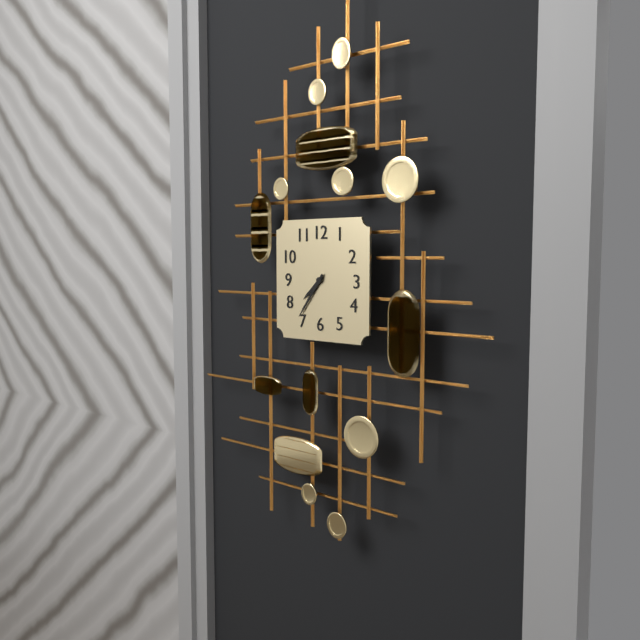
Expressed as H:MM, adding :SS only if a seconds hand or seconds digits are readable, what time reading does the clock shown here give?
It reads 7:36
